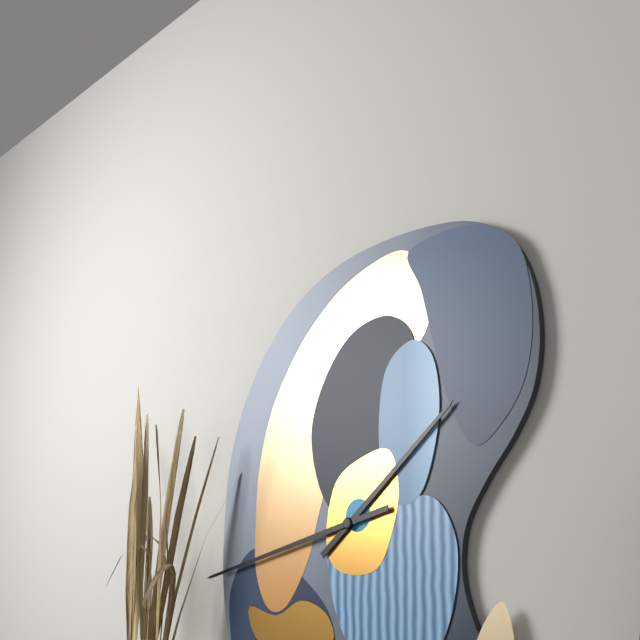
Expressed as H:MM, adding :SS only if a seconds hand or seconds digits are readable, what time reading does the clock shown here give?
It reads 1:43
